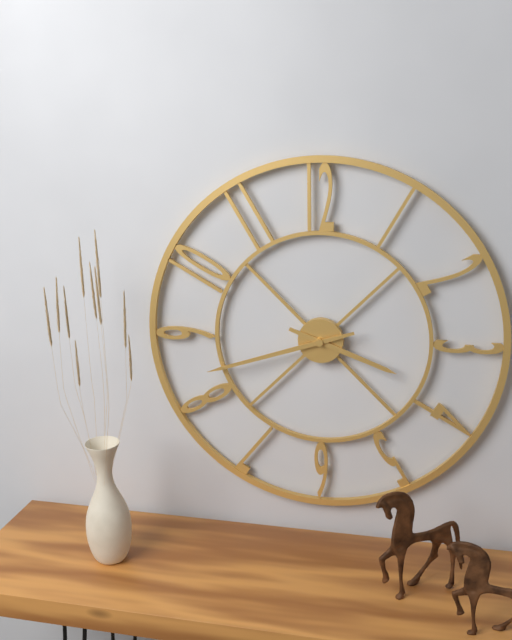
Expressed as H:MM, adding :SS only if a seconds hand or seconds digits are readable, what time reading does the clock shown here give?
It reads 3:42
